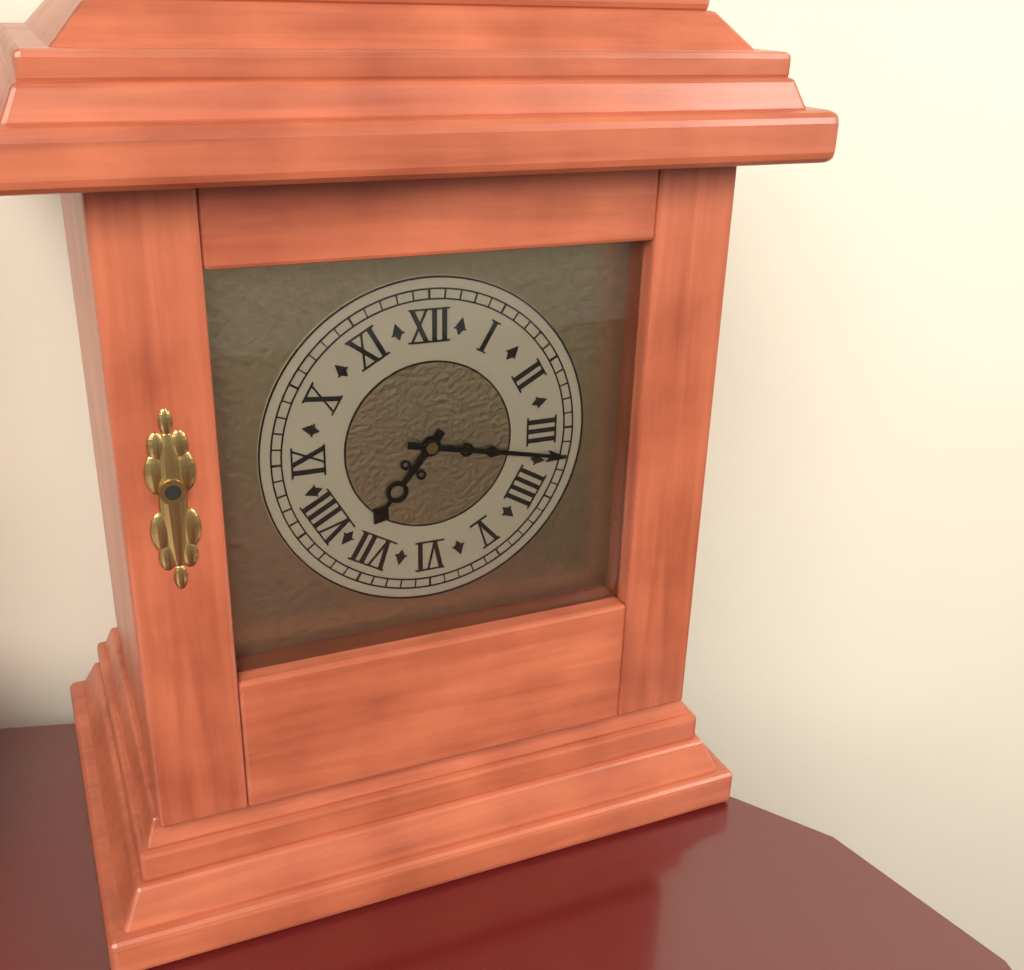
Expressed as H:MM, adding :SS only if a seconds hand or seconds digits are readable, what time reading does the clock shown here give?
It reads 7:17
